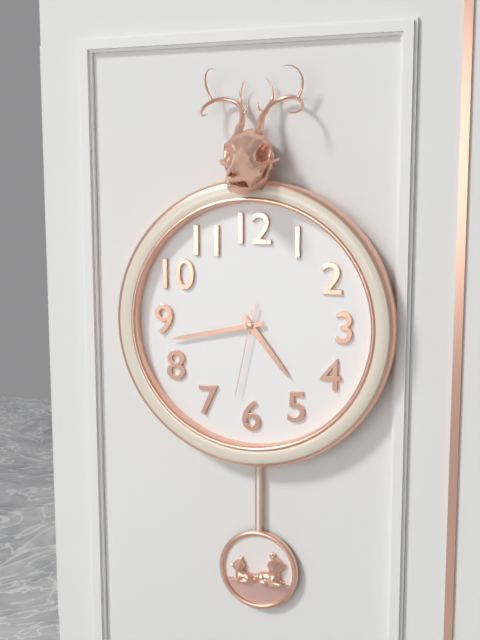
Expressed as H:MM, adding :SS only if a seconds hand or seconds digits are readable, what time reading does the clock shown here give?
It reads 4:43:32
